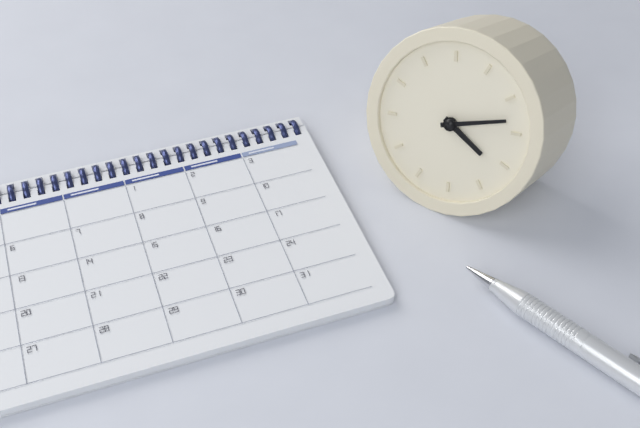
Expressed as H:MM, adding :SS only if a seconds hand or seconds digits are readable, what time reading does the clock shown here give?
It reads 4:13
